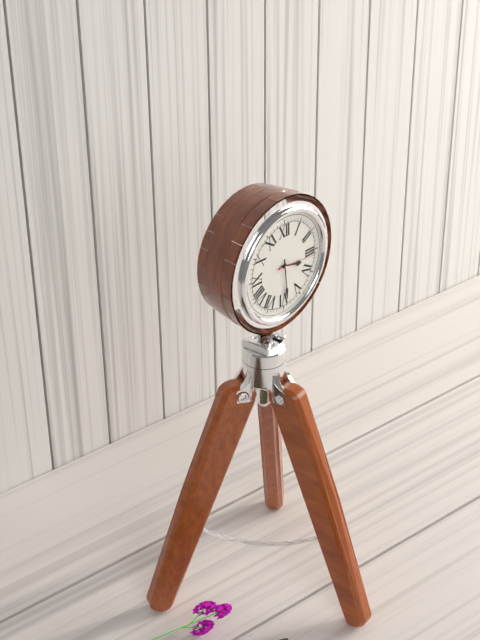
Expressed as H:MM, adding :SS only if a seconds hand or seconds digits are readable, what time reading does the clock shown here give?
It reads 3:29:16
